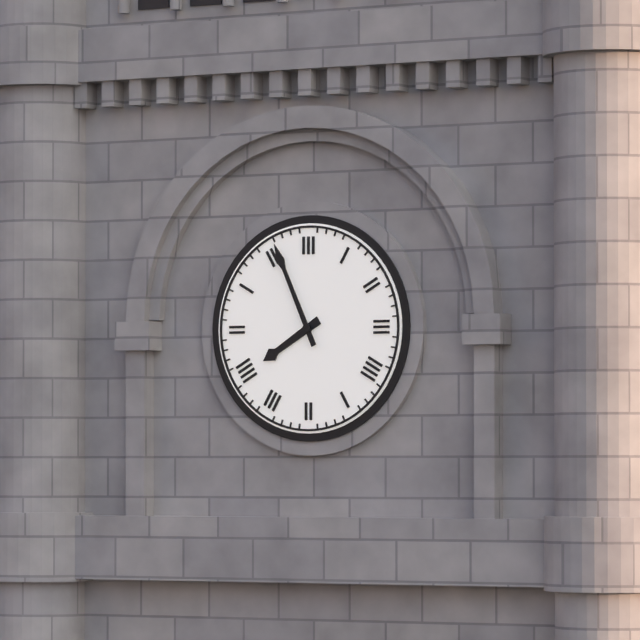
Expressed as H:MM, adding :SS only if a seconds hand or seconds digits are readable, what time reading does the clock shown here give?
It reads 7:56
